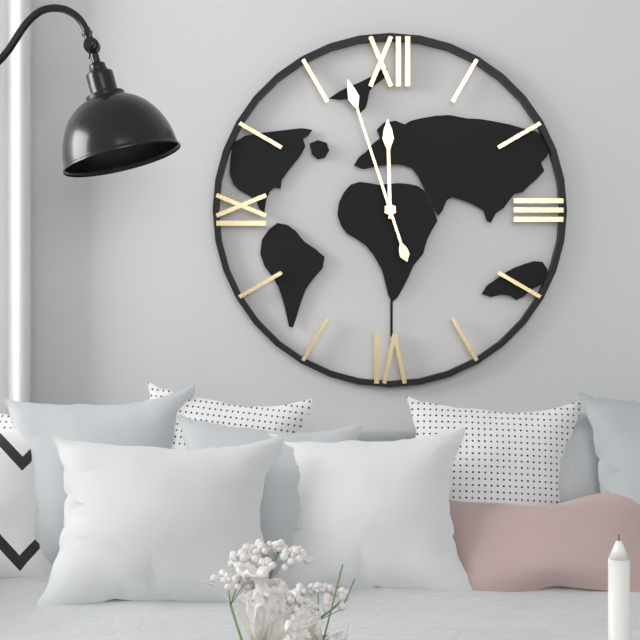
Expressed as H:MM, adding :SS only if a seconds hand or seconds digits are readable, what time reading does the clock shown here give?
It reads 11:57
